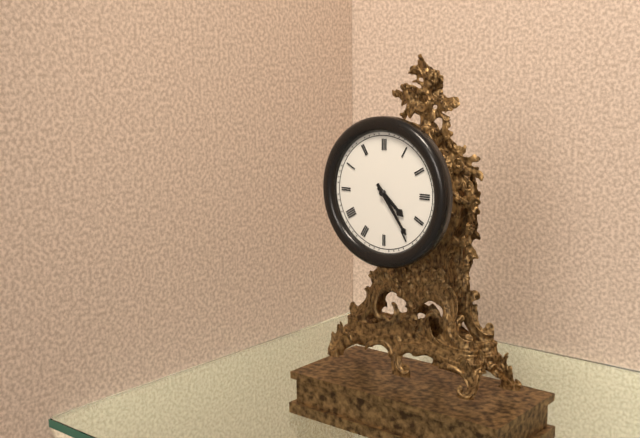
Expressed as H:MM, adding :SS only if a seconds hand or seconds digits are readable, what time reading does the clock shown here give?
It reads 4:24
